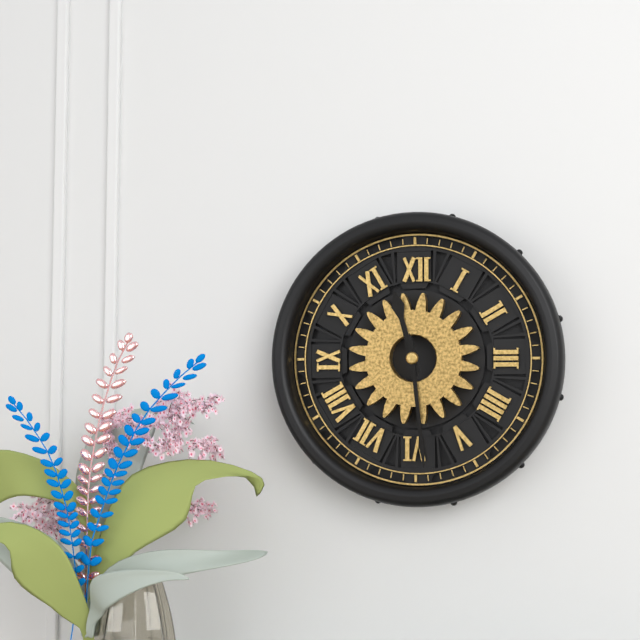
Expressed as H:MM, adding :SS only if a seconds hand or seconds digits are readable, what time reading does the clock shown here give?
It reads 11:29
